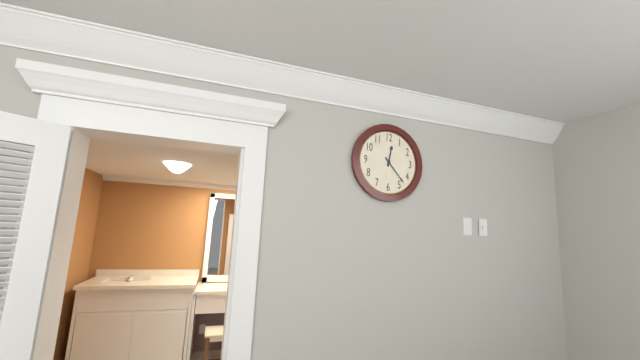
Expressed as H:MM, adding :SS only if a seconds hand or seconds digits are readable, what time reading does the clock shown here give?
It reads 12:23
